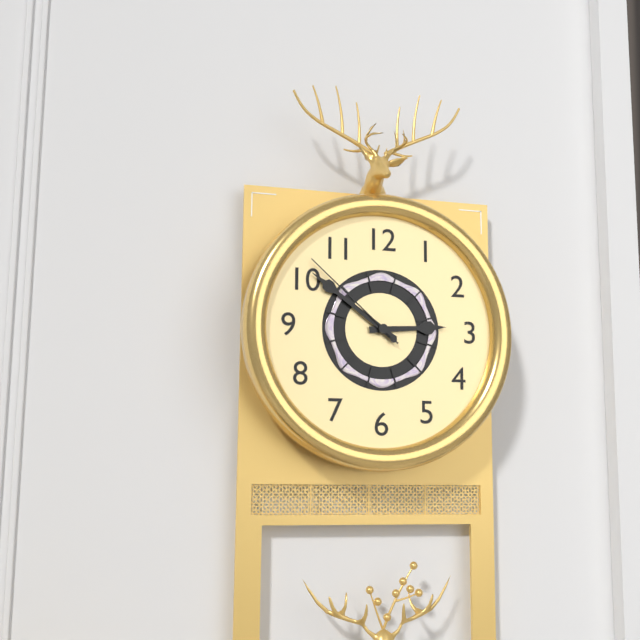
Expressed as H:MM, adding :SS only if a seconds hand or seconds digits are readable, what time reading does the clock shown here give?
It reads 2:51:52
